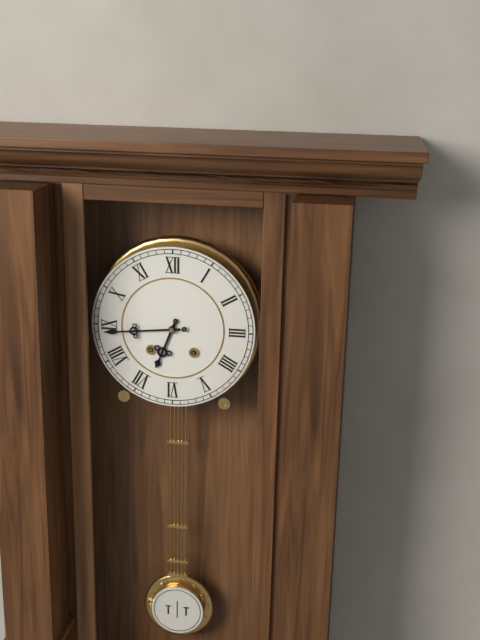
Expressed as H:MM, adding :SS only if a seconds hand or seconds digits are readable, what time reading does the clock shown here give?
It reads 6:44
